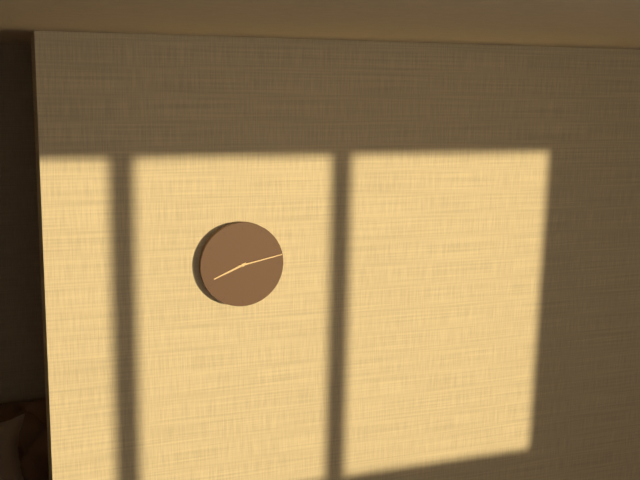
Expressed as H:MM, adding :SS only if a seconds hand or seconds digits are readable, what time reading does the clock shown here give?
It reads 8:13
